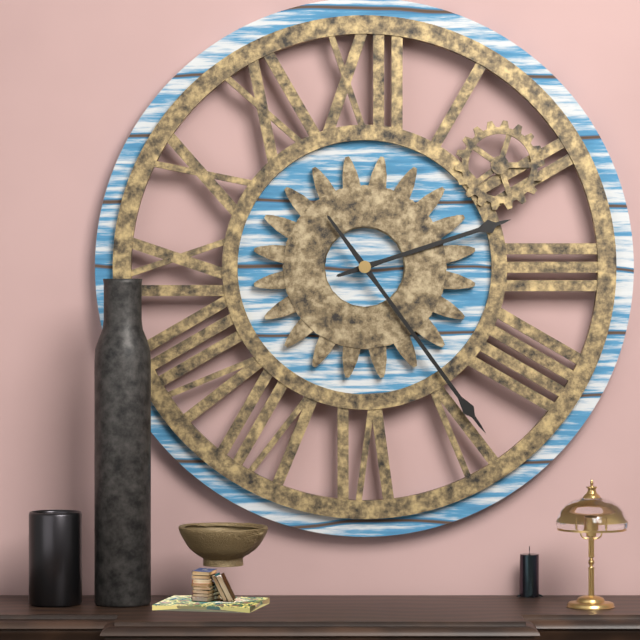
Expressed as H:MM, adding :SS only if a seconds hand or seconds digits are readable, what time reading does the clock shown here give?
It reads 2:24
